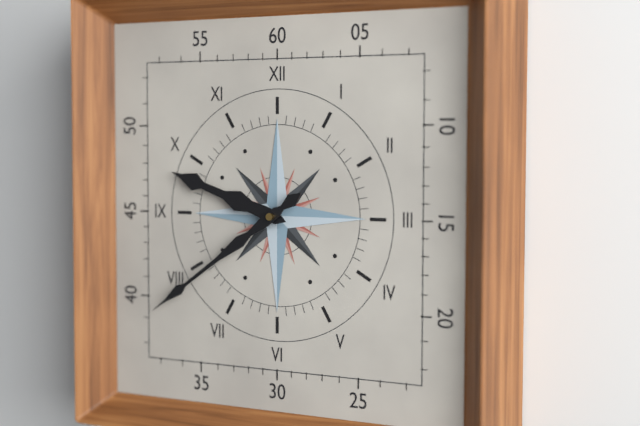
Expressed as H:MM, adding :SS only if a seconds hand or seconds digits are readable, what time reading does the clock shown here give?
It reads 9:39
